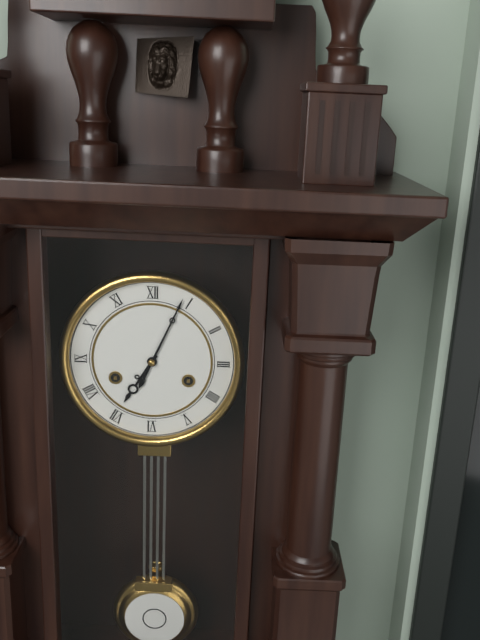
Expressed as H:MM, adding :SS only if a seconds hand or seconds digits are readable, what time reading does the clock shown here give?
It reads 7:04
